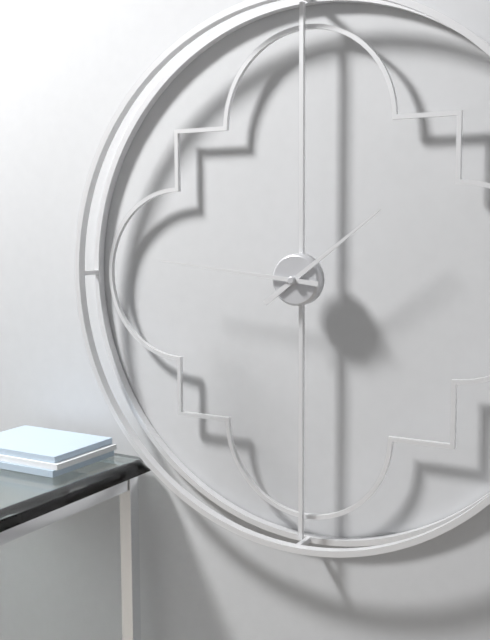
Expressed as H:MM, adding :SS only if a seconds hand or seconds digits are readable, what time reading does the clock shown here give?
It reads 1:46
